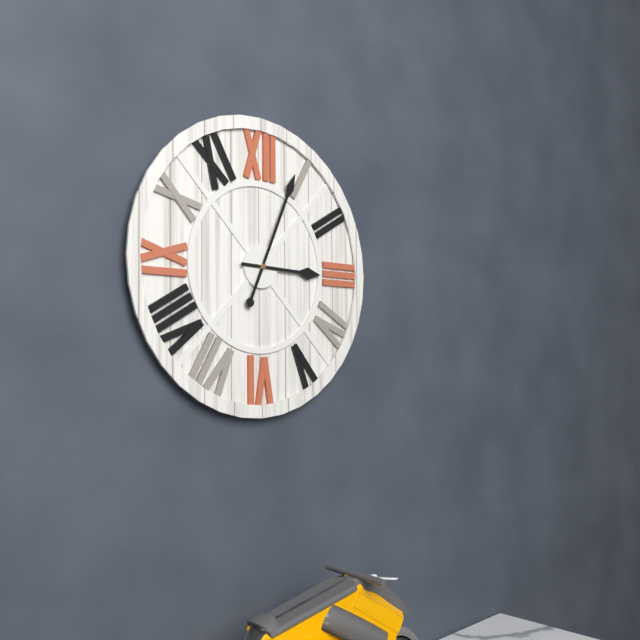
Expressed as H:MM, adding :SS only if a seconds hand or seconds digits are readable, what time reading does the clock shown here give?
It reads 3:04
